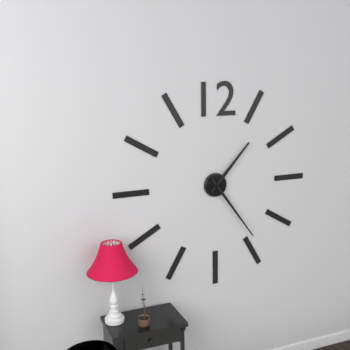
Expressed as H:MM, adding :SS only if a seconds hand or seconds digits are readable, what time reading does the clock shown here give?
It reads 1:24
